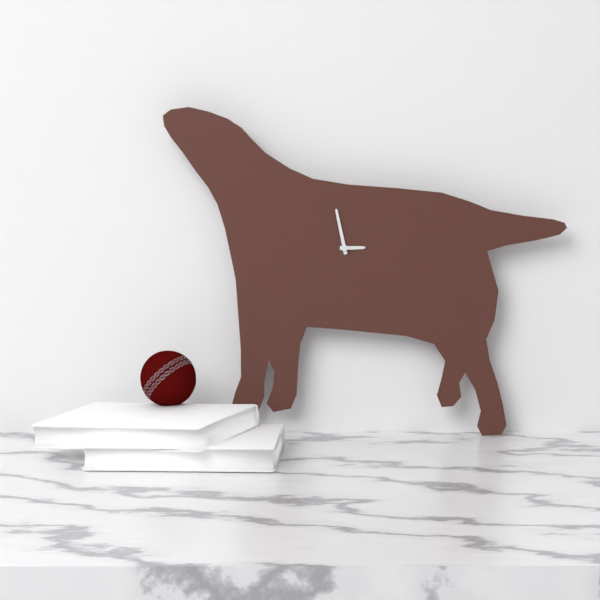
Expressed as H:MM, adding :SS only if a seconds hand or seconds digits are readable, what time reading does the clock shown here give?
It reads 2:58
